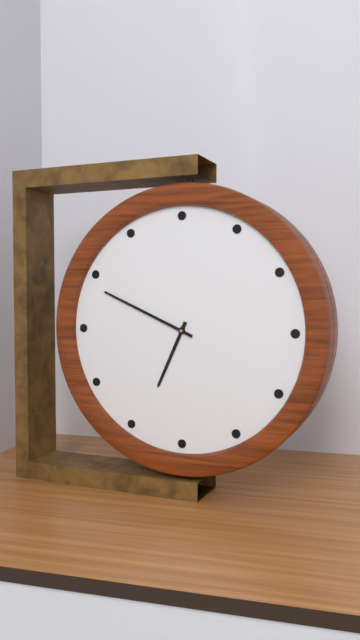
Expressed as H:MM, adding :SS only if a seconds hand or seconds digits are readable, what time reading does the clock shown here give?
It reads 6:49
